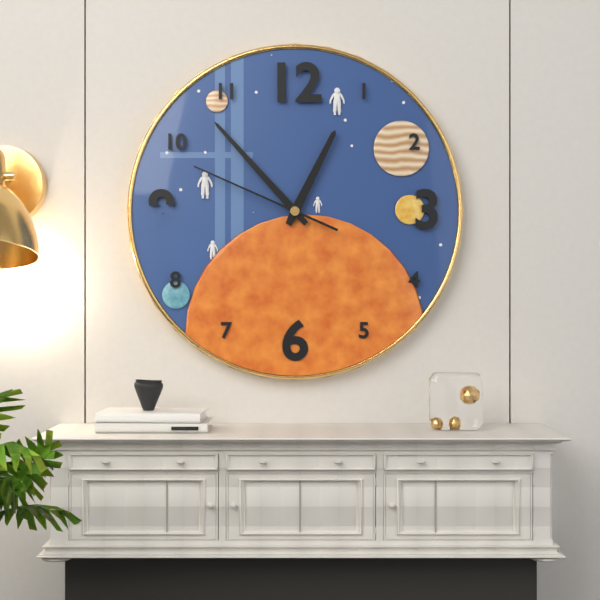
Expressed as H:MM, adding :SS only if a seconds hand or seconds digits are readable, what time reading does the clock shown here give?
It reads 12:53:49
